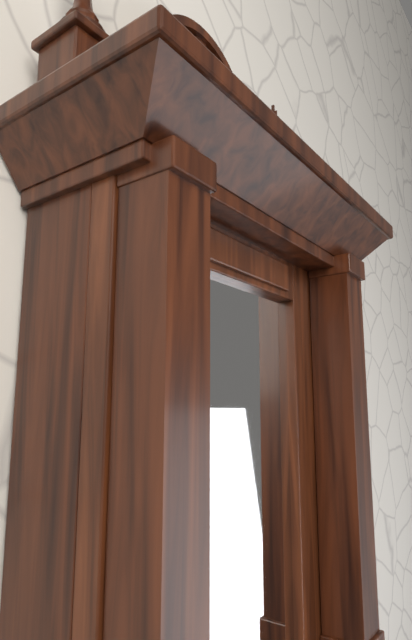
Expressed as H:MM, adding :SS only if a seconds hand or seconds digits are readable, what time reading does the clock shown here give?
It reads 12:29
